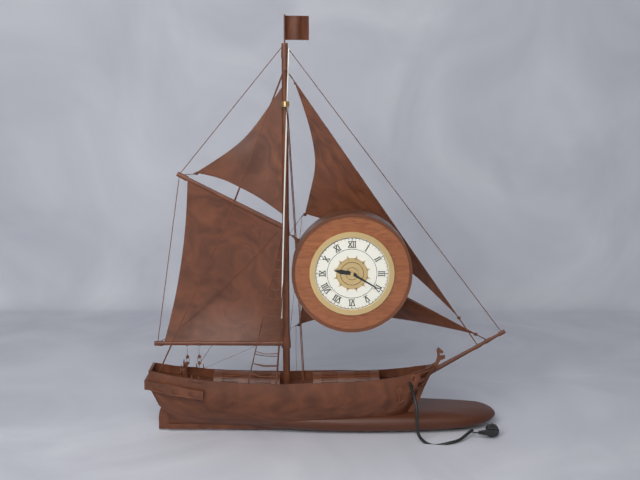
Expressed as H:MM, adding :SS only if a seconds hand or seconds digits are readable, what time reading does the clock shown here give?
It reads 9:20
